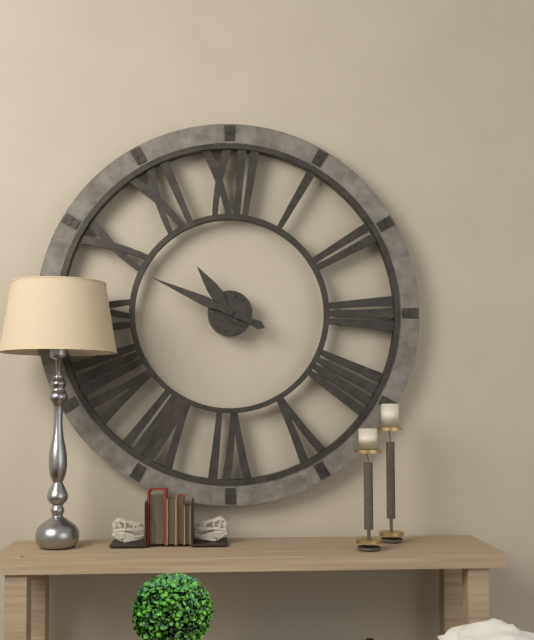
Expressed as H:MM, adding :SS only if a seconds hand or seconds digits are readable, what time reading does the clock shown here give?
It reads 10:49
